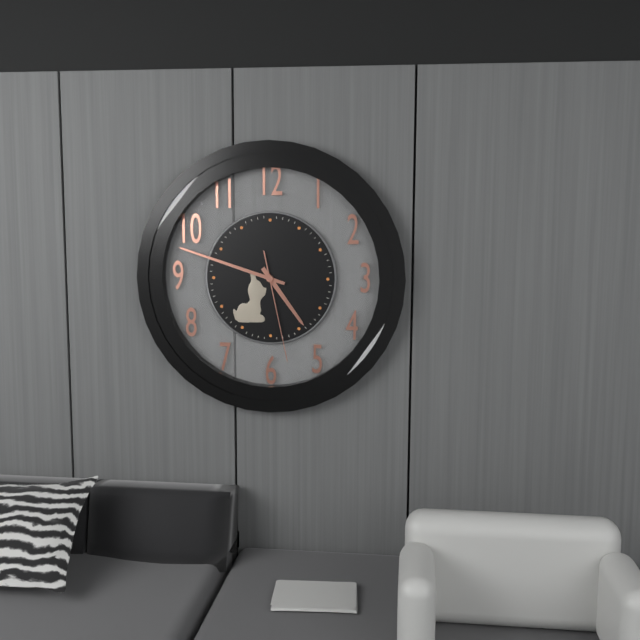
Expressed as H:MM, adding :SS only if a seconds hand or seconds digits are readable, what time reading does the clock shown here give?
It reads 4:48:28
